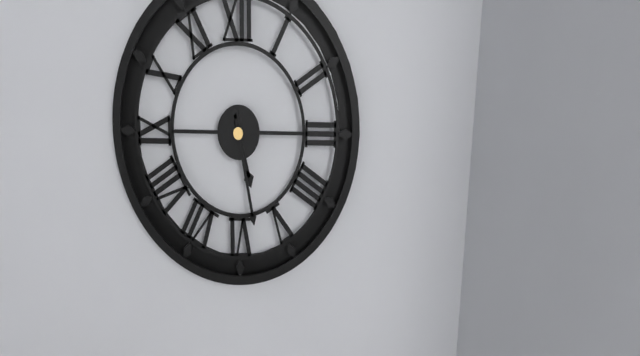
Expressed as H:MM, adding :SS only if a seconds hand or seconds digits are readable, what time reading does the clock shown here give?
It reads 5:28
